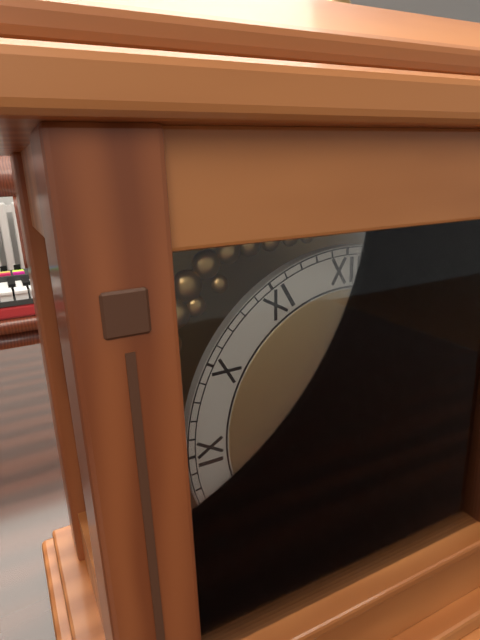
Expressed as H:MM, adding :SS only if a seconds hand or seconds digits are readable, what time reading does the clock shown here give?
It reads 7:03
